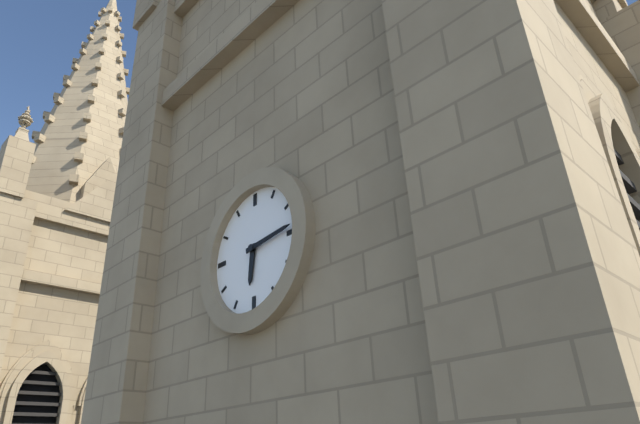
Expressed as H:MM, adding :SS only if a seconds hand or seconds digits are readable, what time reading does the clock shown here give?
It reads 6:14
